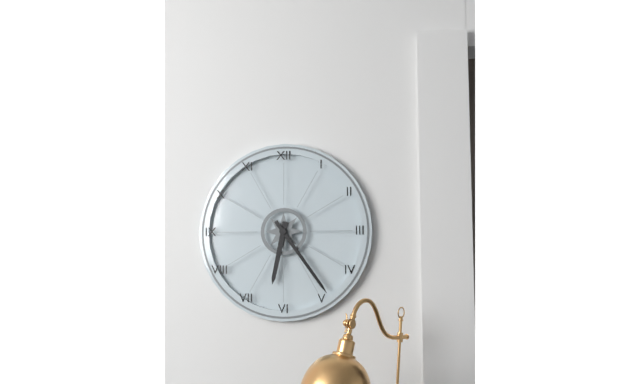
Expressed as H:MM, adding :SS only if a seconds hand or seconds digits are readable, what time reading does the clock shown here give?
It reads 6:24
